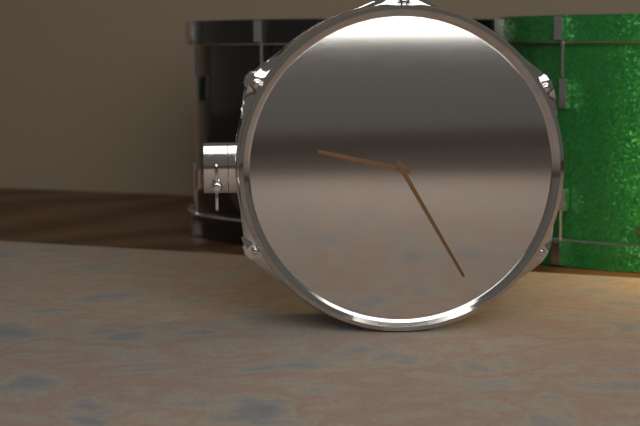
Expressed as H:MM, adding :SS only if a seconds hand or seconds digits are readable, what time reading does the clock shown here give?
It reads 9:25
